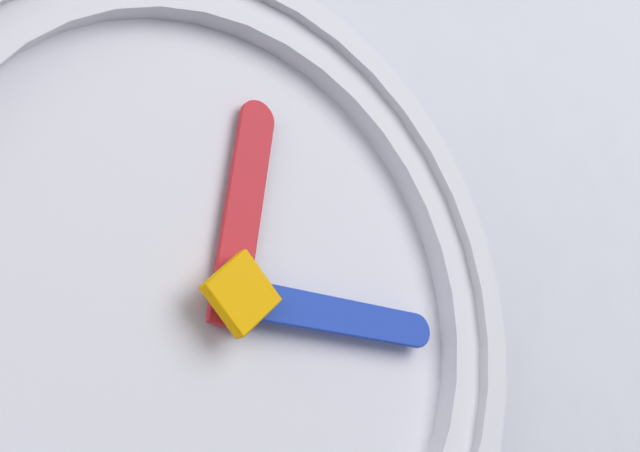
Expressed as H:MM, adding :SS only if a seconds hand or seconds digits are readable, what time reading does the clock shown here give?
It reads 12:15
